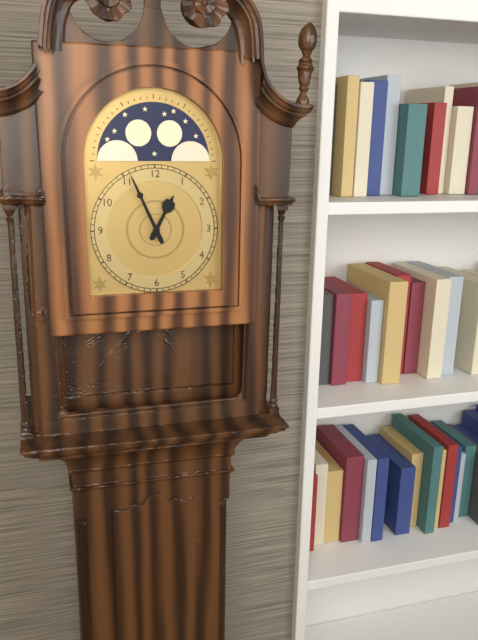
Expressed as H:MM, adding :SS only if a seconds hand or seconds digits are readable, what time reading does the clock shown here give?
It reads 12:56
